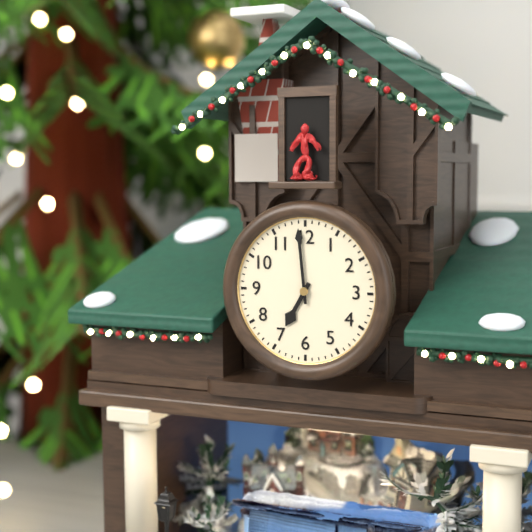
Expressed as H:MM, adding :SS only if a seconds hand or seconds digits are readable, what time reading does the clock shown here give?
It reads 6:59
